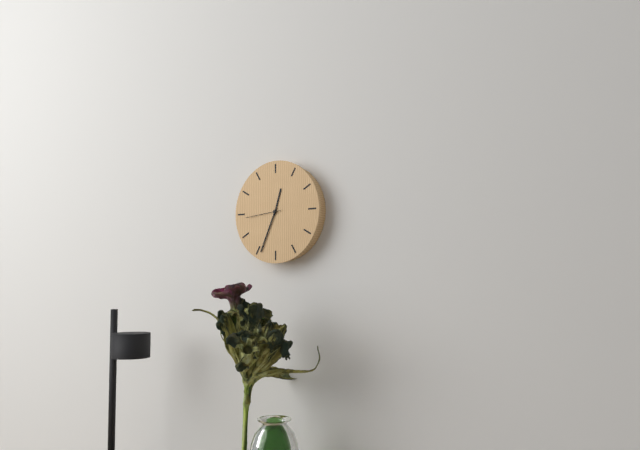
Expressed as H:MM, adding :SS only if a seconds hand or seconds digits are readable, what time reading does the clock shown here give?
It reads 12:34
